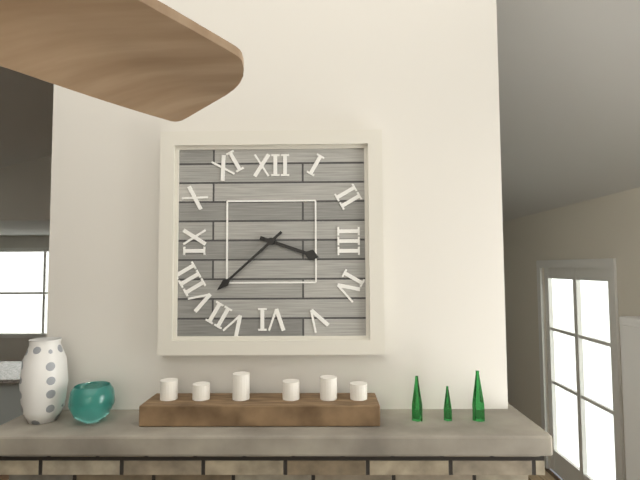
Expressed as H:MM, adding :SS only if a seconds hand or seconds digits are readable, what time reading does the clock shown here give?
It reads 3:38
